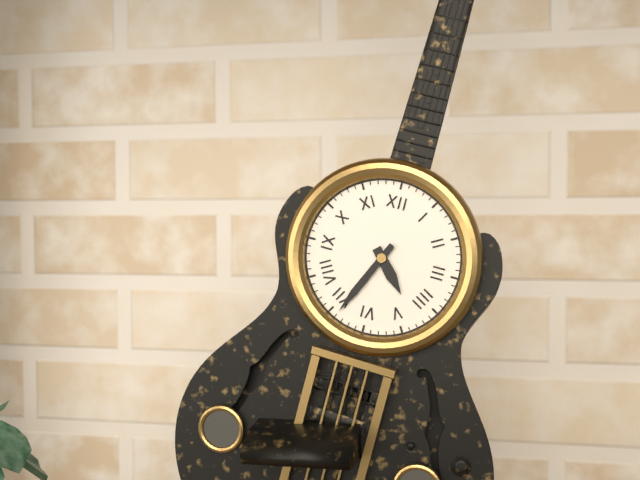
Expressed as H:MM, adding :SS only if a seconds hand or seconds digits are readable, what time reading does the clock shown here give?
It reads 4:34
